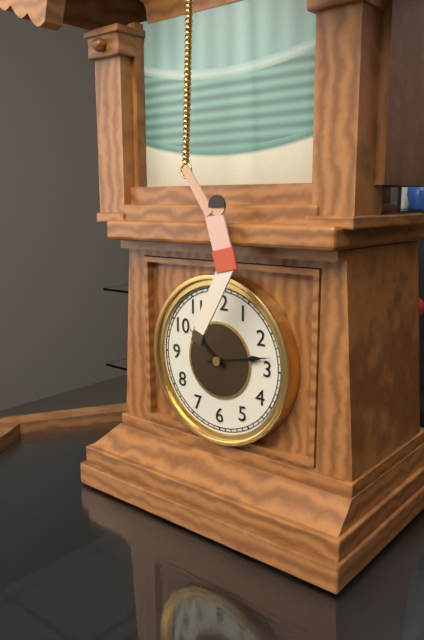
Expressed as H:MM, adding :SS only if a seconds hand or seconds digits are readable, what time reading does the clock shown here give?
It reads 10:13
